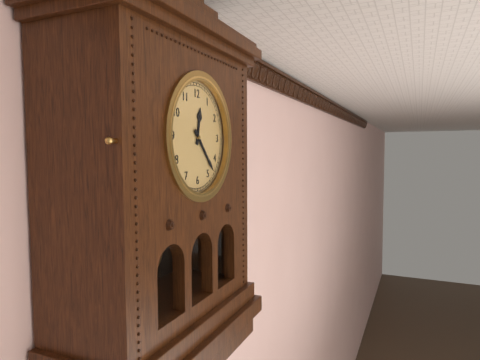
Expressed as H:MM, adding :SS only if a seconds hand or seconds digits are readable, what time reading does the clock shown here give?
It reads 12:23
